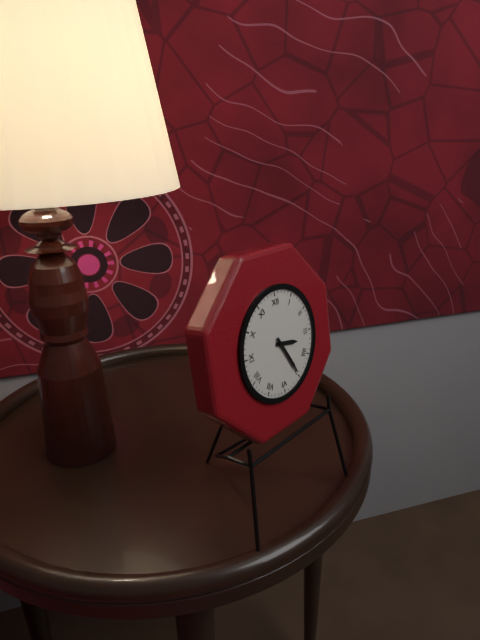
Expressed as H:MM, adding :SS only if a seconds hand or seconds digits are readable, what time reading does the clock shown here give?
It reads 3:25
